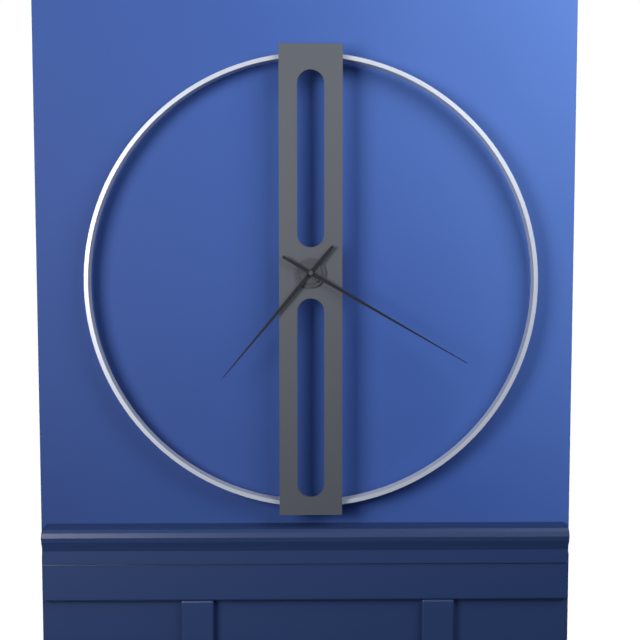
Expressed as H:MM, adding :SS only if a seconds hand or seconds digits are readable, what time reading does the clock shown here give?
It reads 7:20
